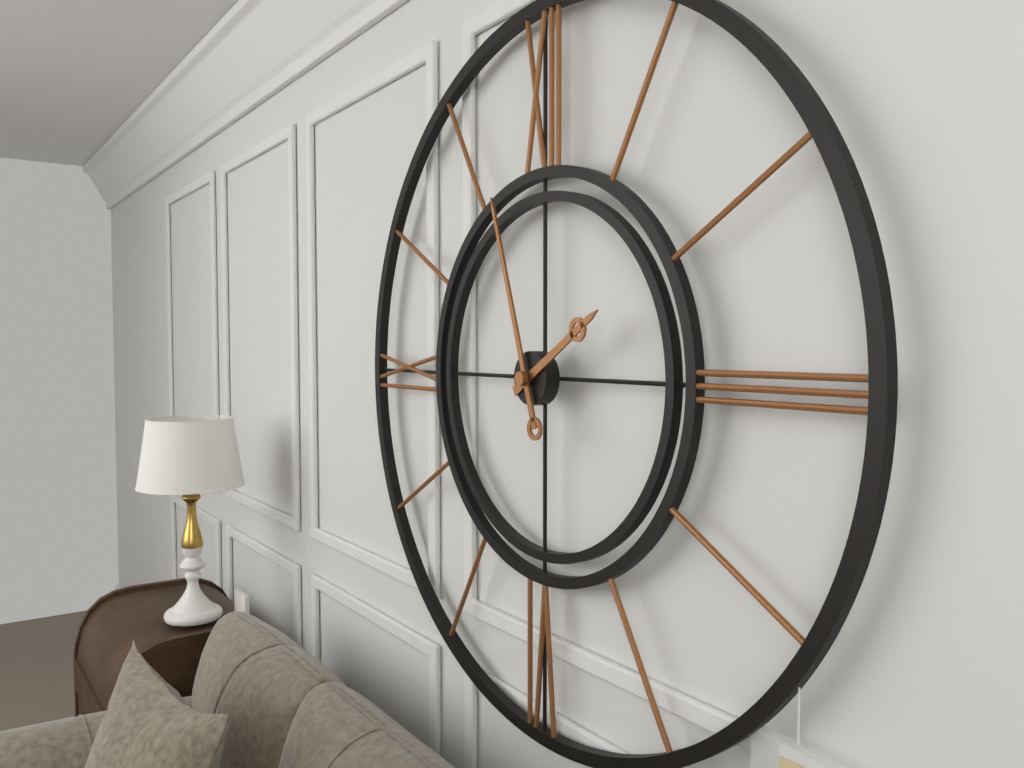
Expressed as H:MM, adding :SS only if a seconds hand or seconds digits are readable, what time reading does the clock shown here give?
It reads 1:57
